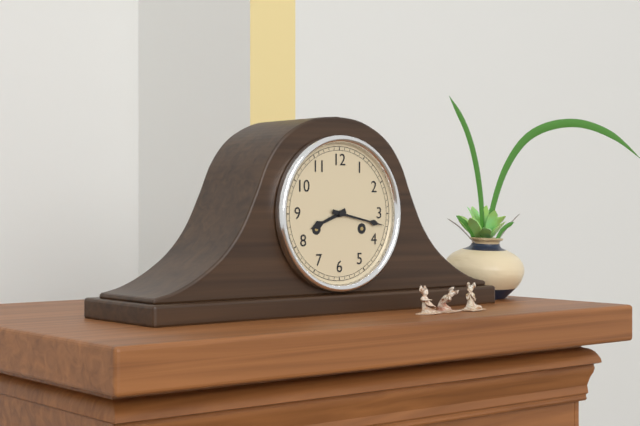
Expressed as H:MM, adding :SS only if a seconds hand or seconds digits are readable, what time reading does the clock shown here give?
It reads 8:17
